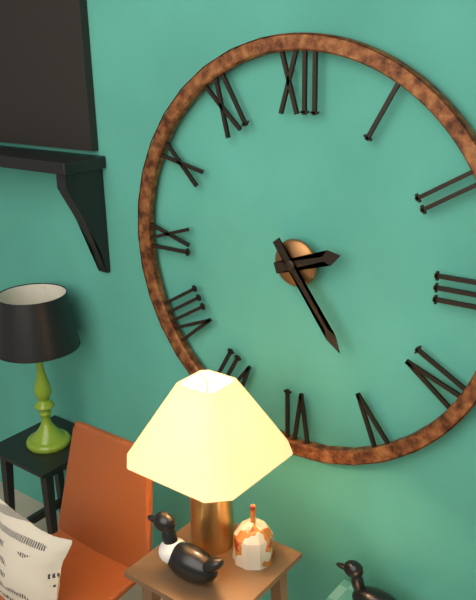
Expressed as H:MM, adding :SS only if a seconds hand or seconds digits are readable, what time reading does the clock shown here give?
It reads 2:24
